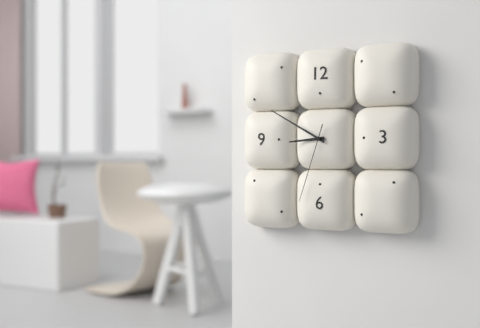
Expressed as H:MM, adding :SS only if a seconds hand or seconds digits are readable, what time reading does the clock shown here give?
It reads 8:50:33
